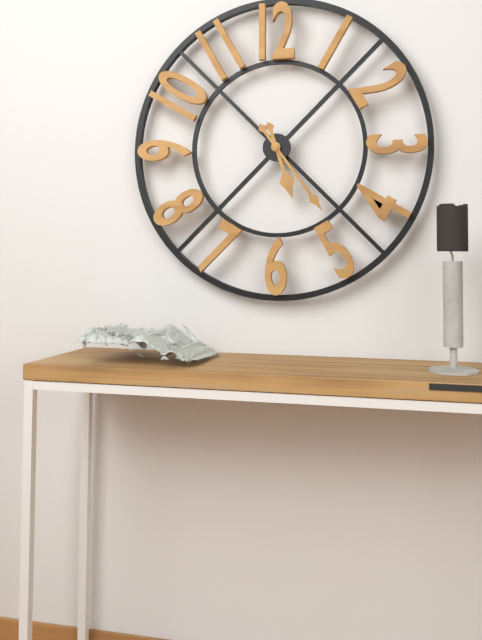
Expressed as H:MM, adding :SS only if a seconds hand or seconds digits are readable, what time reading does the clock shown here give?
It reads 5:24
